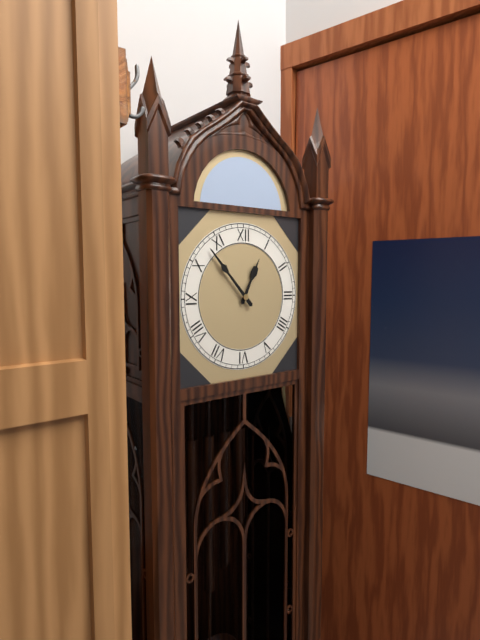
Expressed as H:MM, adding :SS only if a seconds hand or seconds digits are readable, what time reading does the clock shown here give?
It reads 12:53
